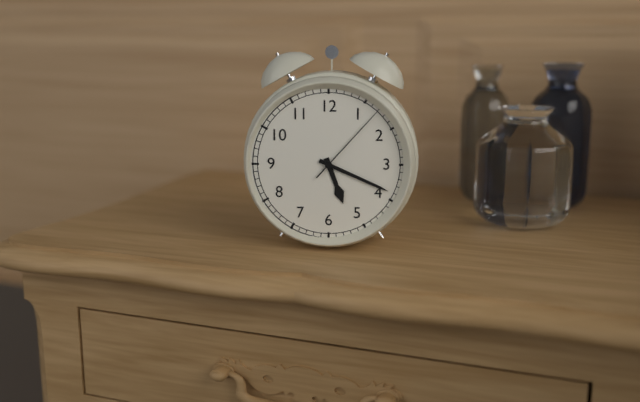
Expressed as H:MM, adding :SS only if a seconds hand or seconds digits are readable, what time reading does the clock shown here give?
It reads 5:19:07
